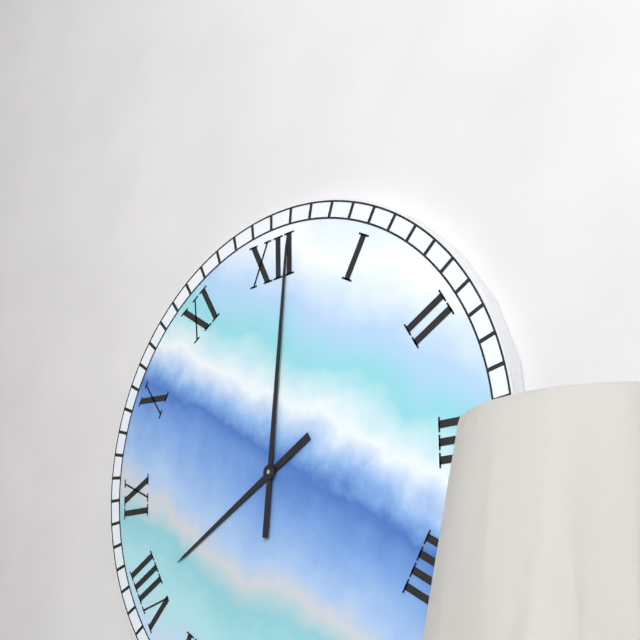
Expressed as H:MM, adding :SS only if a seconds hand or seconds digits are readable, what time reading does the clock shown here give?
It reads 8:01
